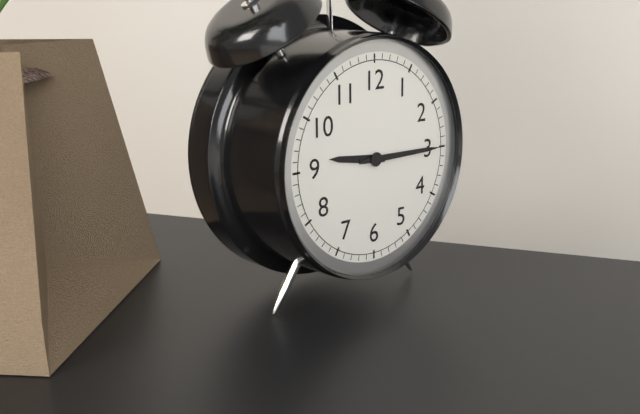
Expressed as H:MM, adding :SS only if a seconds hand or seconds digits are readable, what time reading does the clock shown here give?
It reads 9:15
